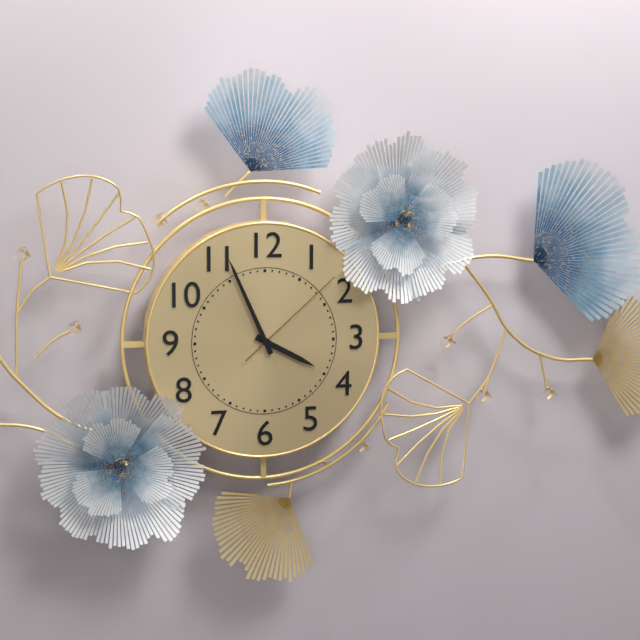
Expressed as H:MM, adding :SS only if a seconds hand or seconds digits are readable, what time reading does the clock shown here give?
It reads 3:56:08
